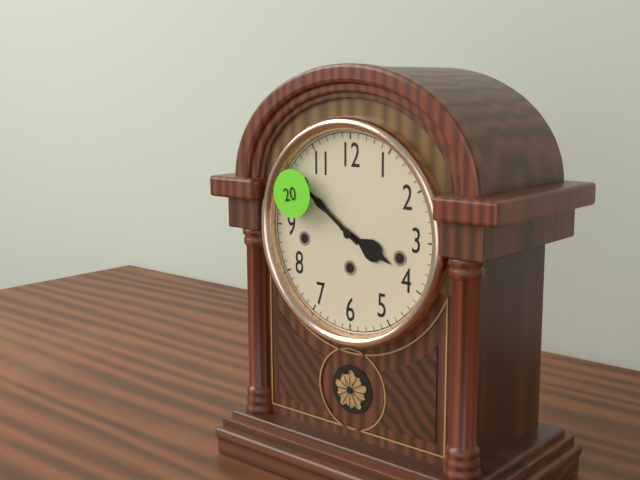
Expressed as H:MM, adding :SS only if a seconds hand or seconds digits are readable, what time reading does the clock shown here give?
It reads 3:51
